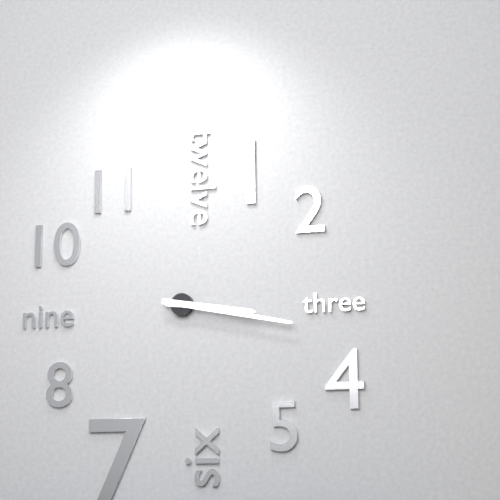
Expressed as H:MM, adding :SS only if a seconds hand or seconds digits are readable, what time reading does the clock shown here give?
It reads 3:17
